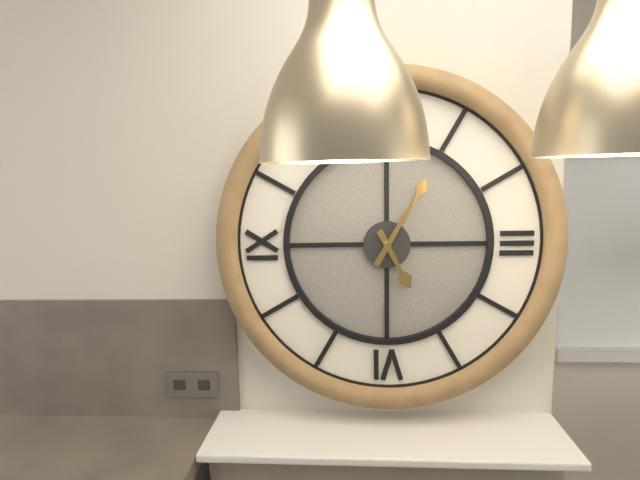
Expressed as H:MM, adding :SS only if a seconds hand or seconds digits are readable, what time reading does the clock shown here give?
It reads 5:05
